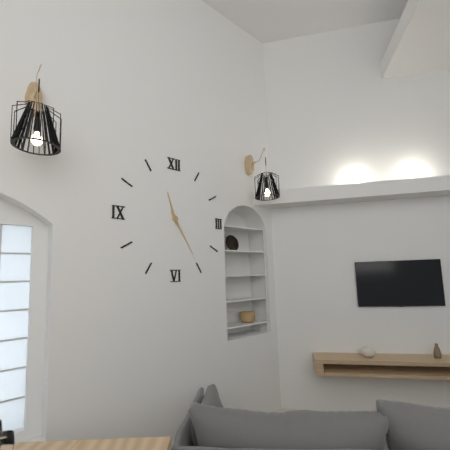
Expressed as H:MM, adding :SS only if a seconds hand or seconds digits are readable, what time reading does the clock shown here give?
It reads 11:25
